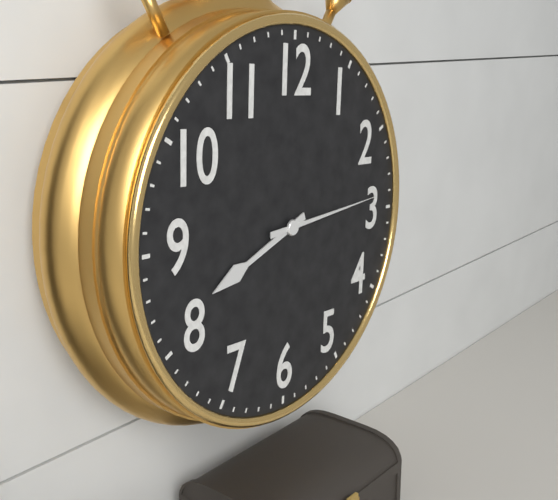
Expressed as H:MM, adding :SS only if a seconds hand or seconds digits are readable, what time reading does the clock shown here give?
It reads 8:14
